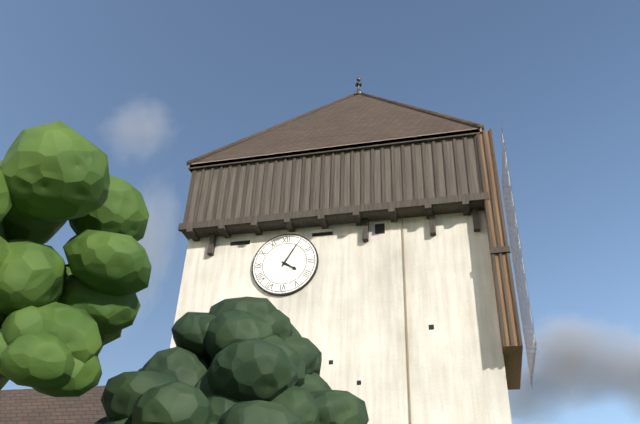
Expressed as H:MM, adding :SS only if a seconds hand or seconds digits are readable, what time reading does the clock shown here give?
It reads 4:05
